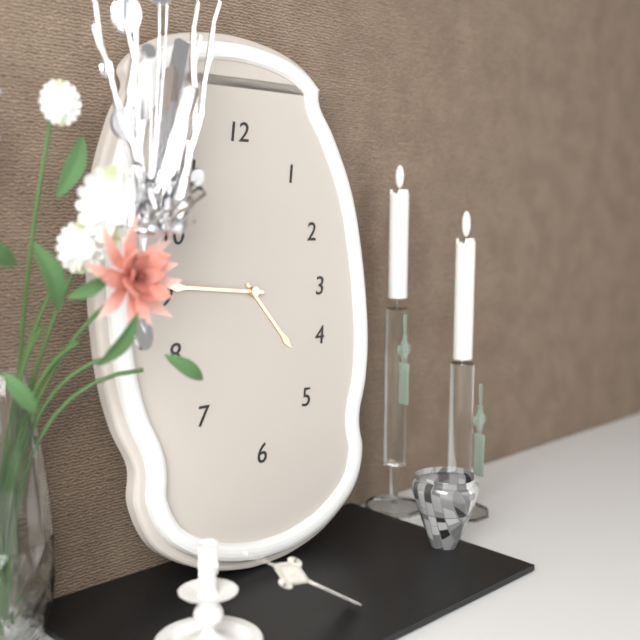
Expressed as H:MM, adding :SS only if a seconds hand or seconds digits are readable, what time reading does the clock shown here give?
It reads 4:46
